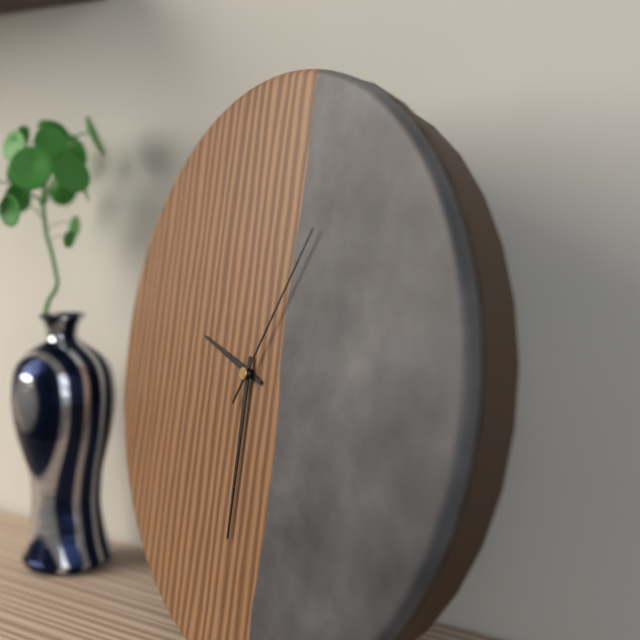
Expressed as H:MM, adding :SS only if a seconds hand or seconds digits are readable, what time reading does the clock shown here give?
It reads 9:30:05
